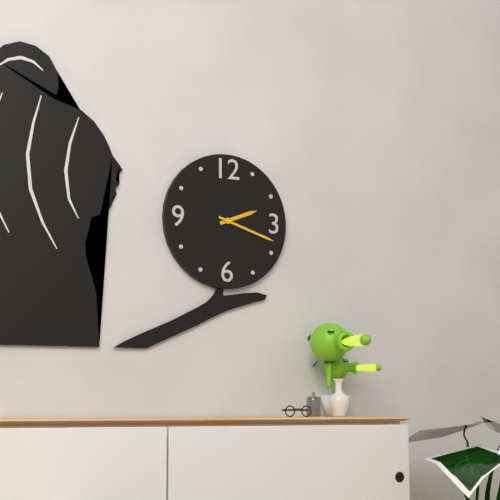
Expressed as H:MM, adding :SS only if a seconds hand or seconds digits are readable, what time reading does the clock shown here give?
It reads 2:18
